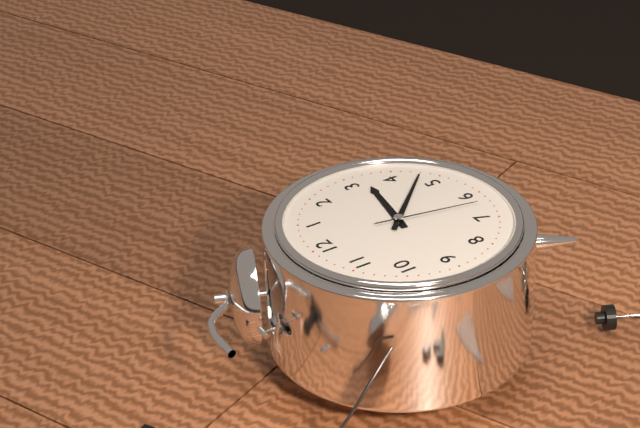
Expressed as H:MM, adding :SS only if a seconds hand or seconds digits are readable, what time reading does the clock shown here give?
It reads 3:23:32
